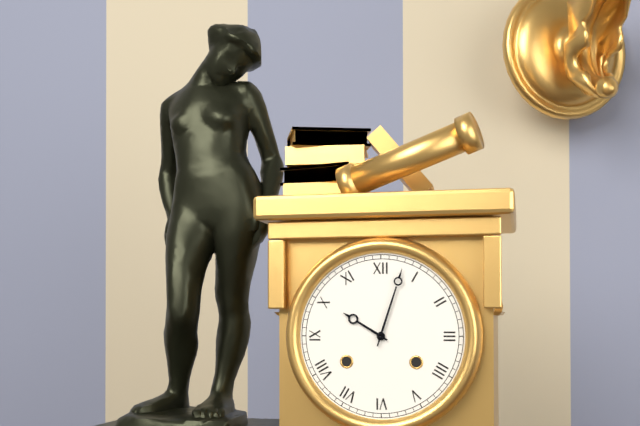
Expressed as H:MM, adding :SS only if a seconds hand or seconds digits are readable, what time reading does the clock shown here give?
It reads 10:03
